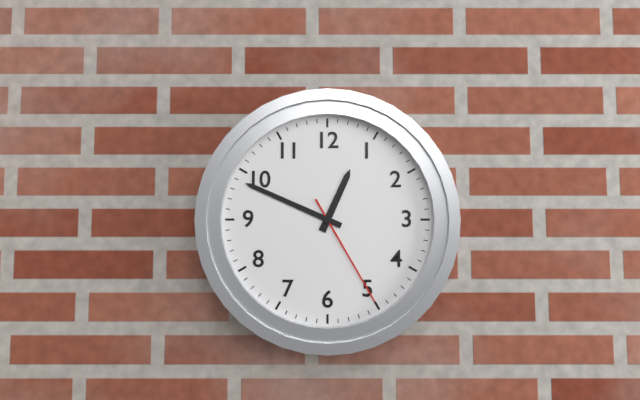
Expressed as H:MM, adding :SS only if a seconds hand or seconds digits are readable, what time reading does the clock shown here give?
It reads 12:49:25
